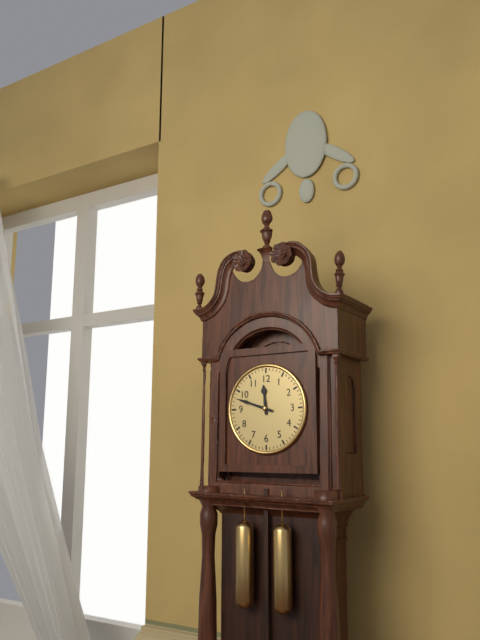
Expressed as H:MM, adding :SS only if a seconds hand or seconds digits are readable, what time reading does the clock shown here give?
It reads 11:48
